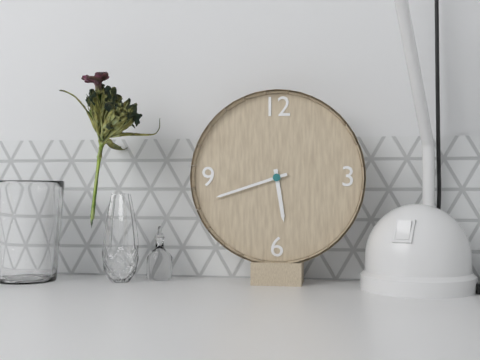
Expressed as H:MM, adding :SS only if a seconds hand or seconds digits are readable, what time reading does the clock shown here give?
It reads 5:42
